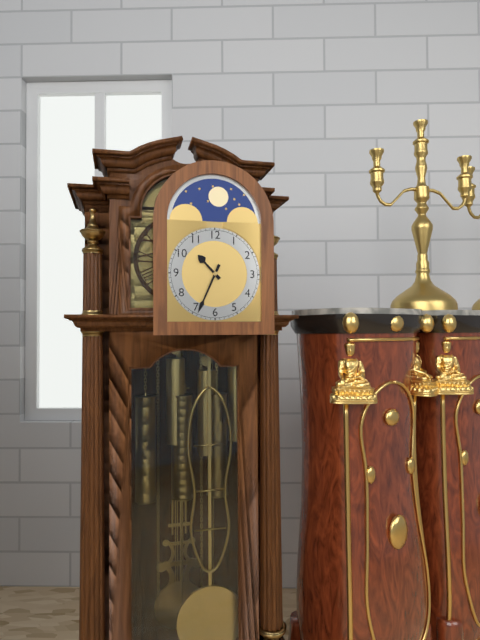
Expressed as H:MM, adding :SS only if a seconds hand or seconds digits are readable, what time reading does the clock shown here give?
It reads 10:34
